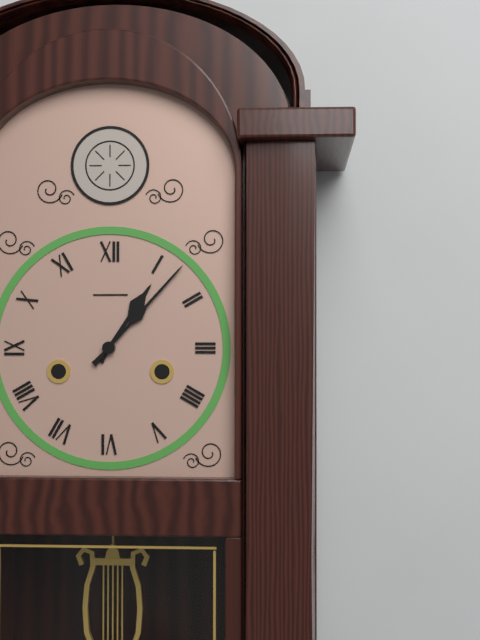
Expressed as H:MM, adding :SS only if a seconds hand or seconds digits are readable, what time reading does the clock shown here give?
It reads 1:07
